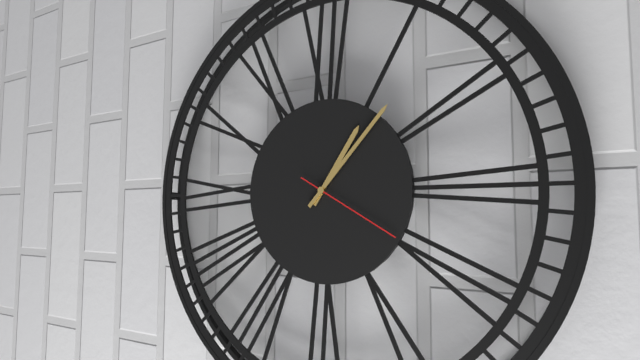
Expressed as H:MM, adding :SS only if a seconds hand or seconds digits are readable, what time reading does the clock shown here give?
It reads 1:07:20
